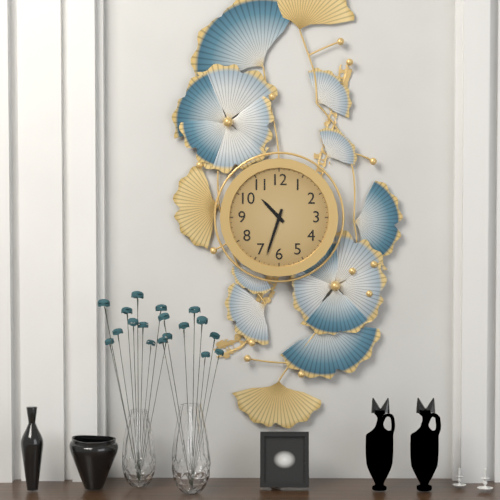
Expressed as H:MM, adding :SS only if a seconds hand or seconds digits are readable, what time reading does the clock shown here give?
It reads 10:33
